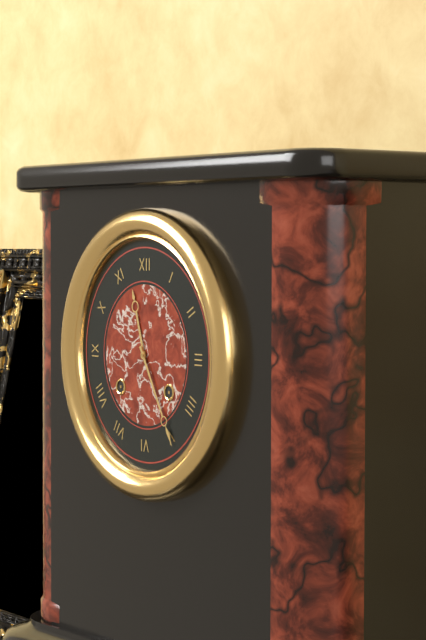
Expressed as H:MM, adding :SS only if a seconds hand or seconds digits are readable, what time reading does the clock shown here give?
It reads 11:25
